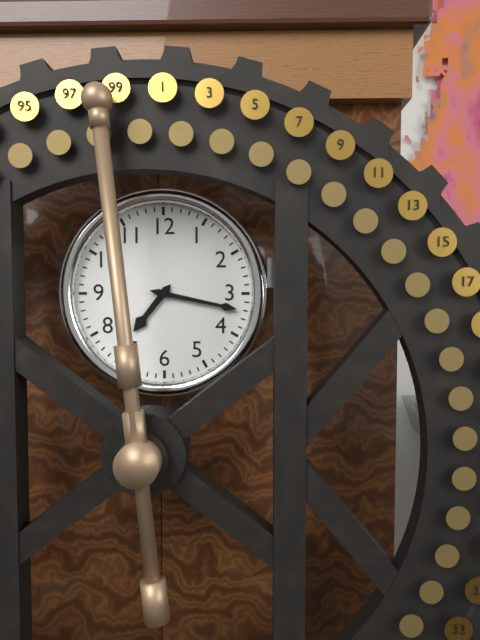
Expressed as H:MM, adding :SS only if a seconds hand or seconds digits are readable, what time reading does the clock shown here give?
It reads 7:17
